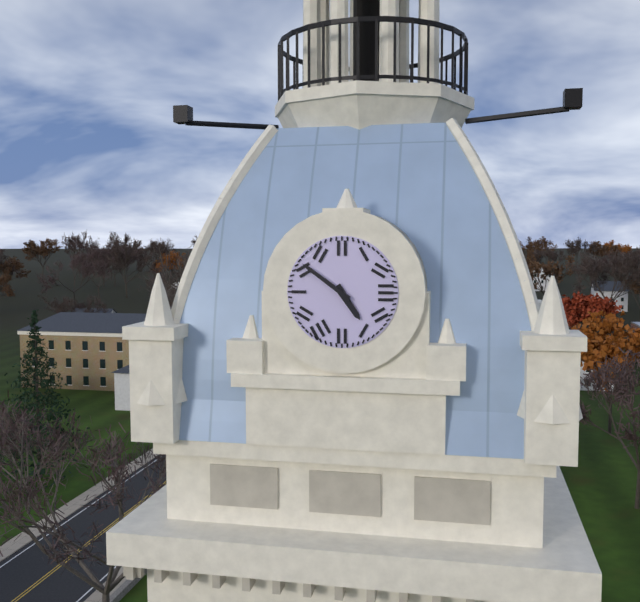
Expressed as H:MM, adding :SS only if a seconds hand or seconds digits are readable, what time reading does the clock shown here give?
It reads 4:51
